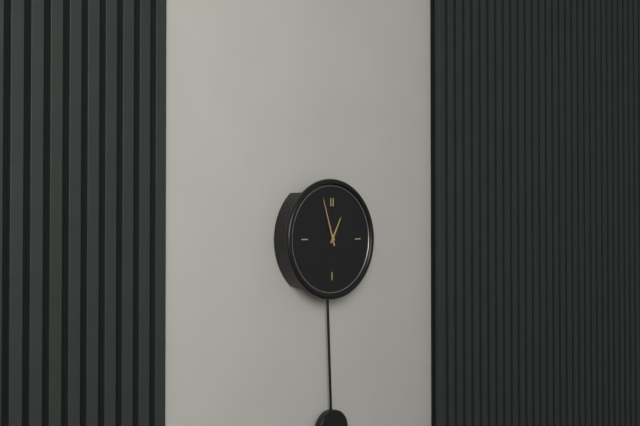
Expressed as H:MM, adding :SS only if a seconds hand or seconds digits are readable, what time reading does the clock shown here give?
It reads 12:57
